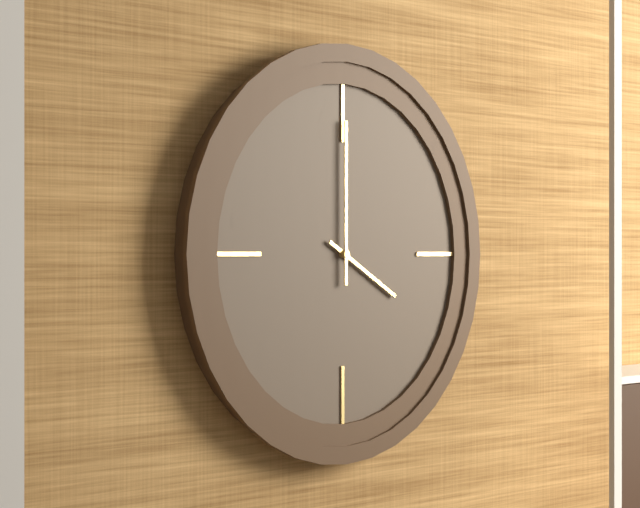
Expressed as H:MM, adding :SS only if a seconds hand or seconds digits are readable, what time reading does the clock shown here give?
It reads 4:00
